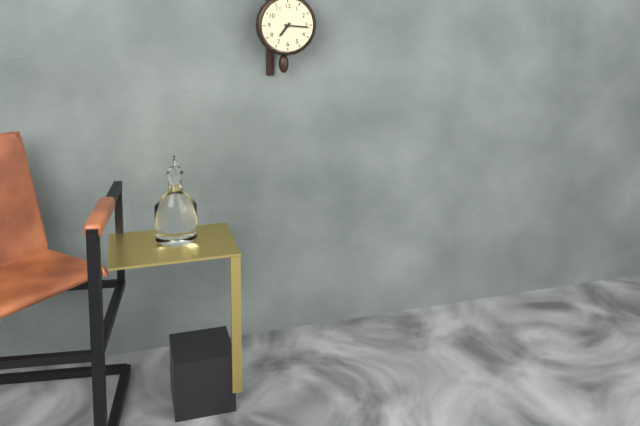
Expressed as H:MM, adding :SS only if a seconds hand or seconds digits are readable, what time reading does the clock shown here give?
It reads 7:16
